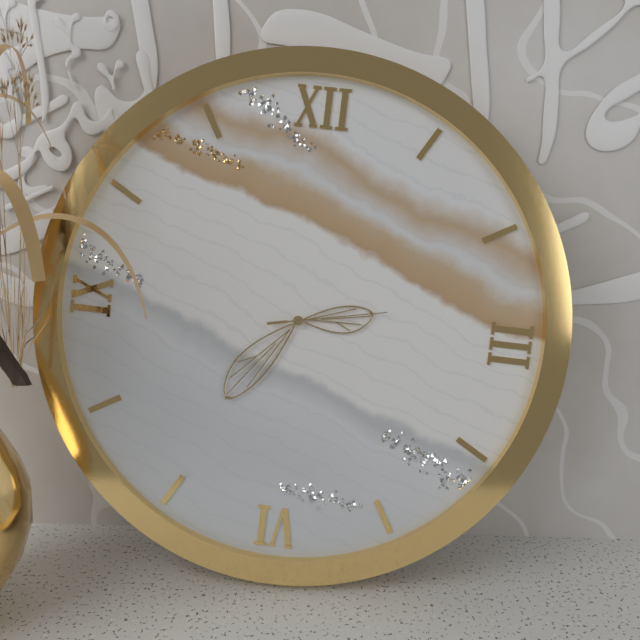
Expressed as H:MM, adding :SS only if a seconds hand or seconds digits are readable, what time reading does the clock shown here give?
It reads 2:36:13
